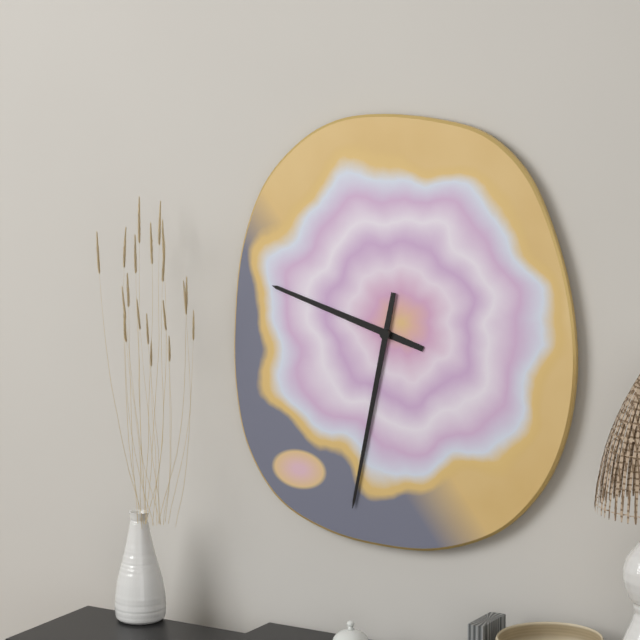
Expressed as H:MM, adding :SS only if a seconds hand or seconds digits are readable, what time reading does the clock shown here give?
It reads 9:32
